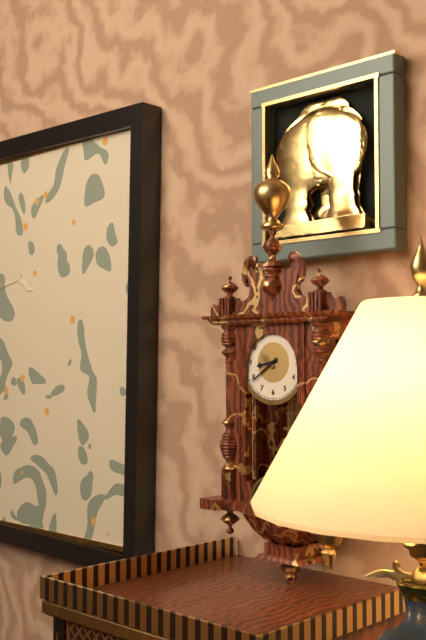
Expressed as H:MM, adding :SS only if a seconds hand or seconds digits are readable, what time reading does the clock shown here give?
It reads 8:39
